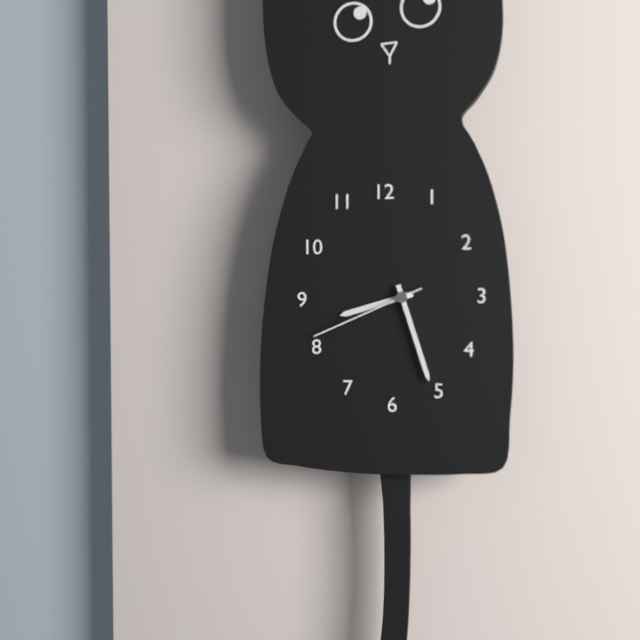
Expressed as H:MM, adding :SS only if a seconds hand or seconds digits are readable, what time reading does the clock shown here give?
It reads 8:27:41
